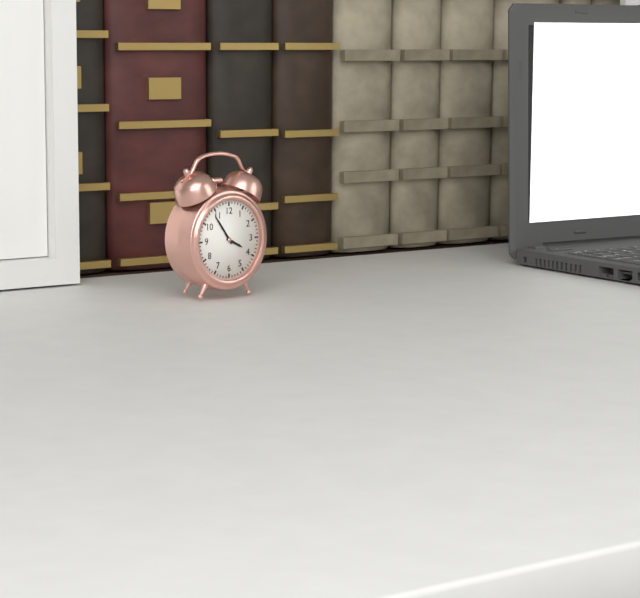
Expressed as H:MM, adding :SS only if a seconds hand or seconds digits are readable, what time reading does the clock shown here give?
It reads 3:54
